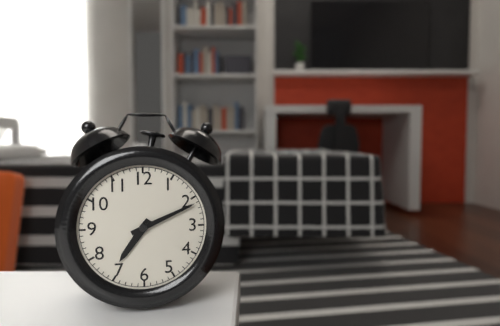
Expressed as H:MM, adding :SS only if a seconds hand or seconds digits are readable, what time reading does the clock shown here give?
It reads 7:11
